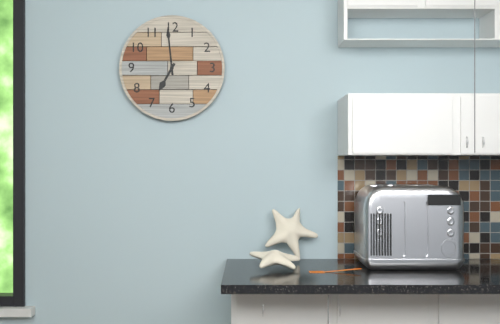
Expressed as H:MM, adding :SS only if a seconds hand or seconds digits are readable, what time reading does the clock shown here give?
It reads 6:59
